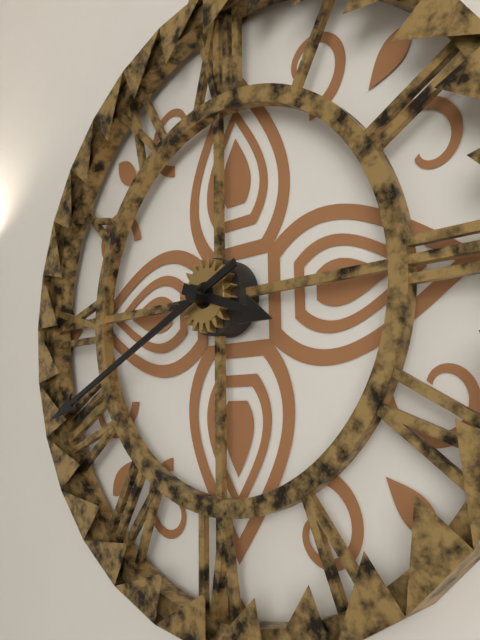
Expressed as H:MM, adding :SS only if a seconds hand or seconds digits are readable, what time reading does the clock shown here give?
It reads 3:41
